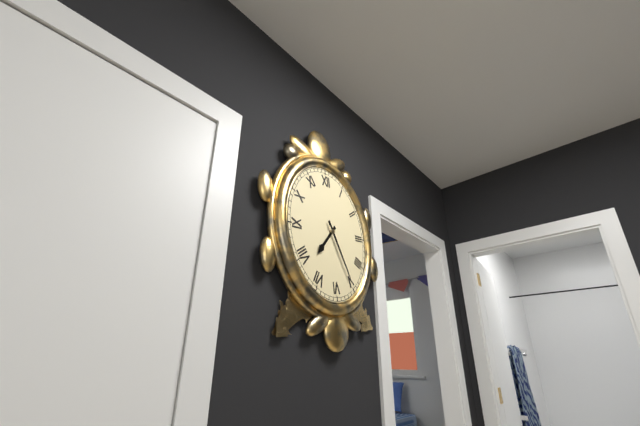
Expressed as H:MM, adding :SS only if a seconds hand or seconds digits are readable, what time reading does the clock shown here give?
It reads 7:26
